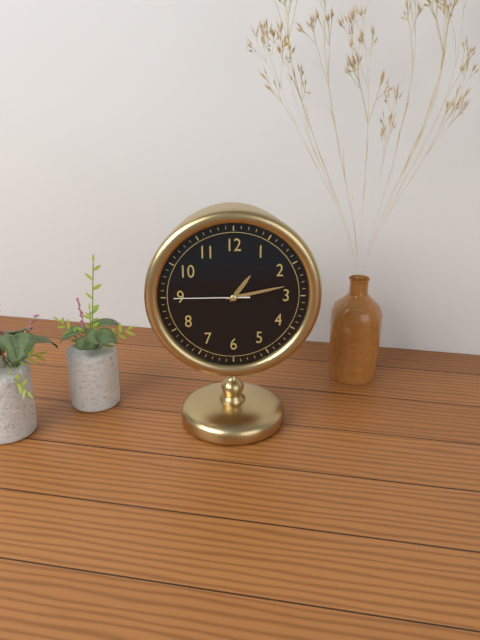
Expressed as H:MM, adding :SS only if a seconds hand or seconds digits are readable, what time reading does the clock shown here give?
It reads 1:13:45
